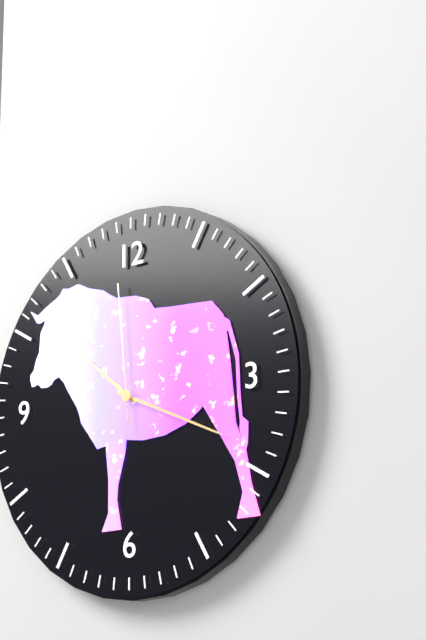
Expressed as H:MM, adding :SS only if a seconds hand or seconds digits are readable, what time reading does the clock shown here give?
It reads 10:19:59
